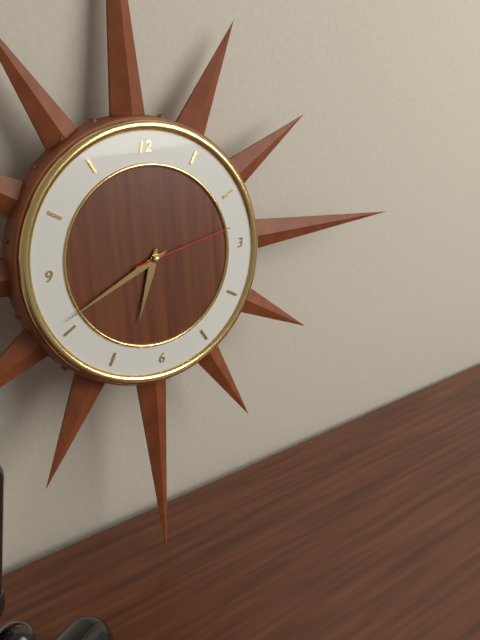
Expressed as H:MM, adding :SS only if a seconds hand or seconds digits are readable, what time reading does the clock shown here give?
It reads 6:41:13
